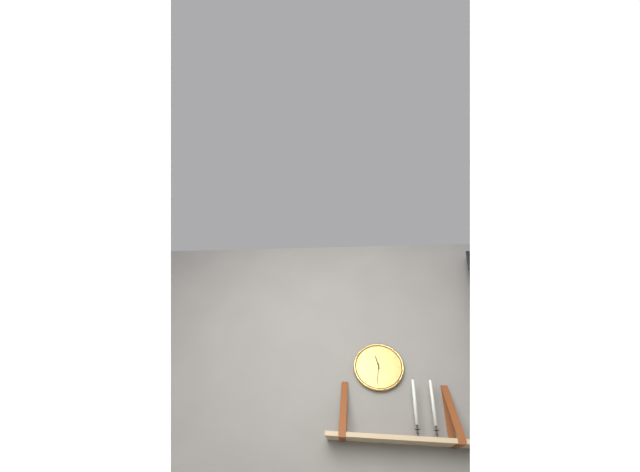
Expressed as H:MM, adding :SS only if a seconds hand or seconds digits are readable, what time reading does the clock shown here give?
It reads 11:31
